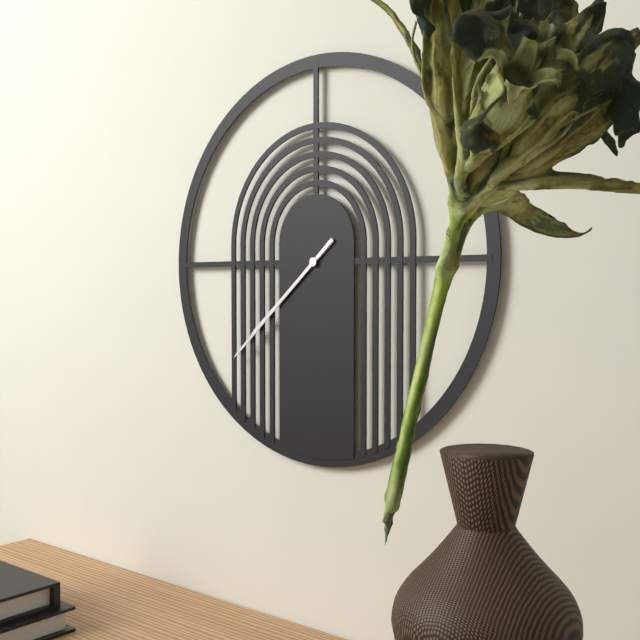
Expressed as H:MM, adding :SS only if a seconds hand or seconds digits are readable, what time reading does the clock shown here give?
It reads 7:38
